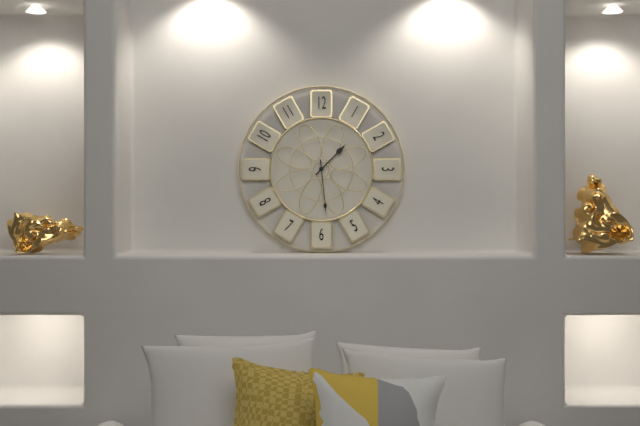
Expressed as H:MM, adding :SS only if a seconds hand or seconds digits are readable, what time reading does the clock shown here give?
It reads 1:29
